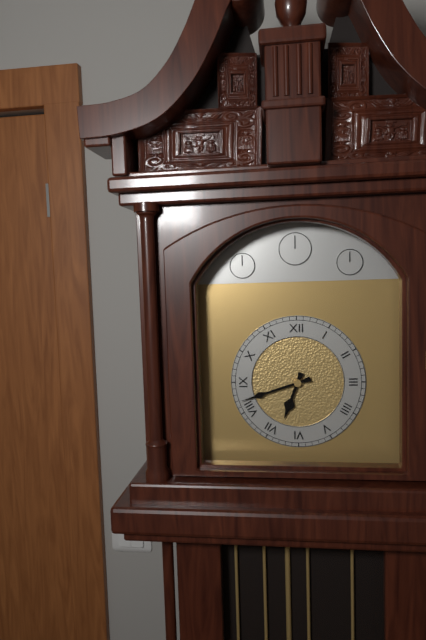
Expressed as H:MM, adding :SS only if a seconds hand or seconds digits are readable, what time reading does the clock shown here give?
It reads 6:42
